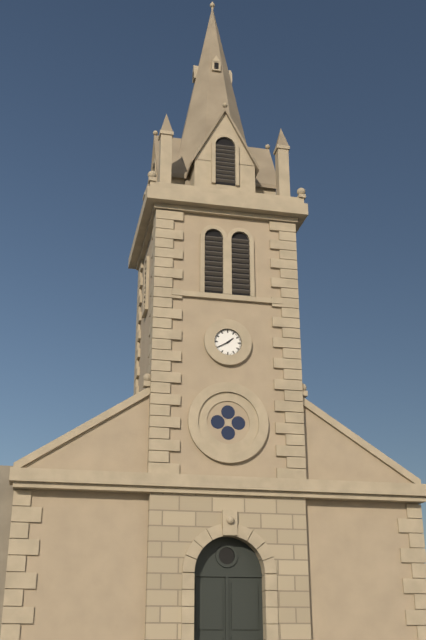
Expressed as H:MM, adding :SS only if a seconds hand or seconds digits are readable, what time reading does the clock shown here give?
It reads 1:40
